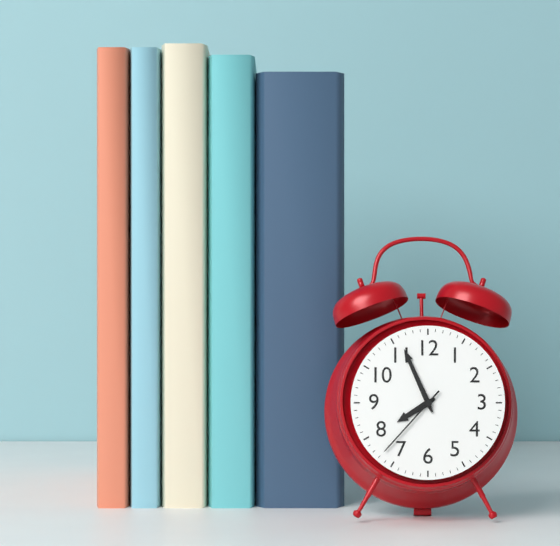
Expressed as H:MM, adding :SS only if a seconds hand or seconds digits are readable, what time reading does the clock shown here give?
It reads 7:56:37
